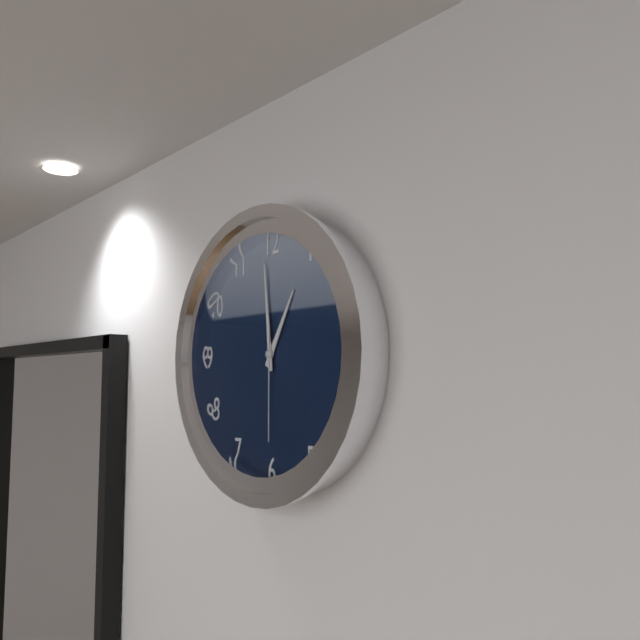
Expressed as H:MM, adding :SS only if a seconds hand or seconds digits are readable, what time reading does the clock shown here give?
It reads 12:59:30
